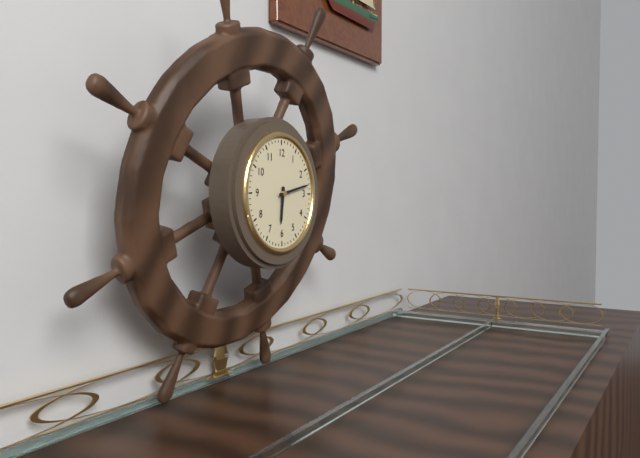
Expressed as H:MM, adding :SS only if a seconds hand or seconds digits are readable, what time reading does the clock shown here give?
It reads 6:13
